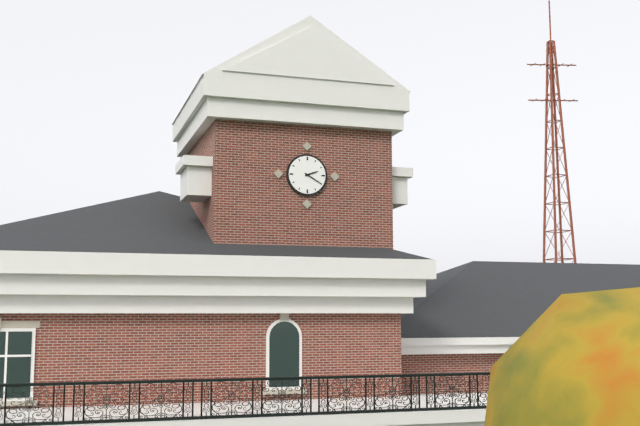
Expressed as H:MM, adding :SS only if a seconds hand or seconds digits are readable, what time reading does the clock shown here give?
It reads 2:20
